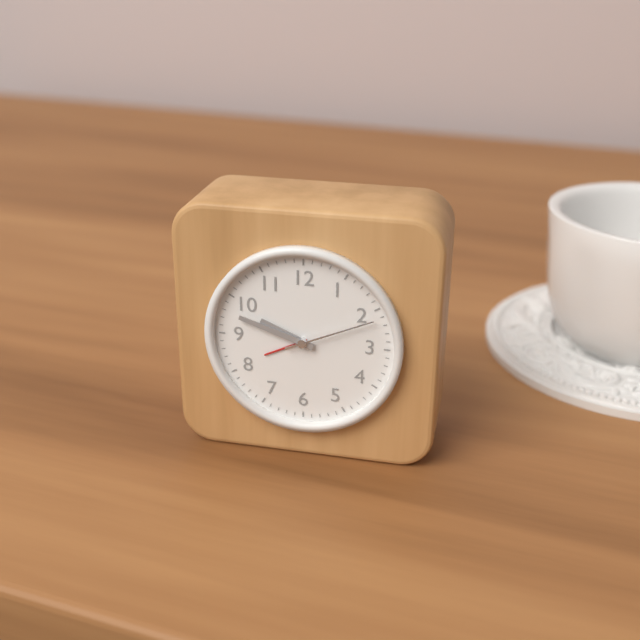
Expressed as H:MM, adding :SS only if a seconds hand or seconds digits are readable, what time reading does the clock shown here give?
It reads 9:48:11
